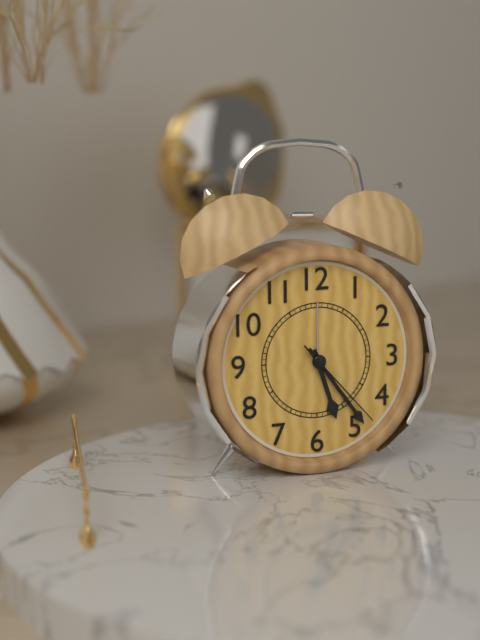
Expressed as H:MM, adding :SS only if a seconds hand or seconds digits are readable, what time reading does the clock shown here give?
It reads 5:24:23
